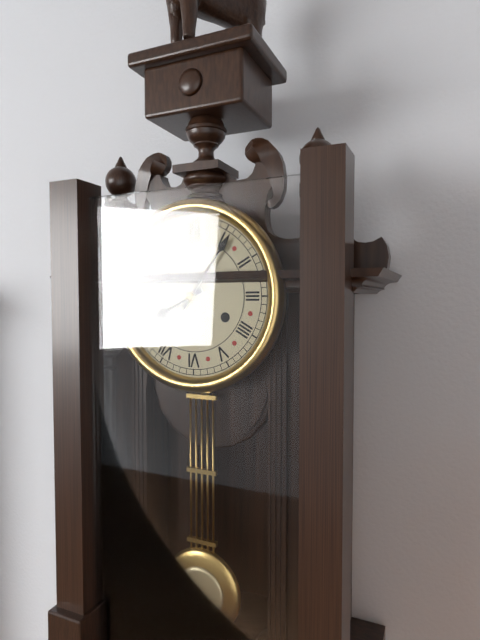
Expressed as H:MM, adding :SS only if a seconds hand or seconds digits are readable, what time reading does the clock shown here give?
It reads 8:06
